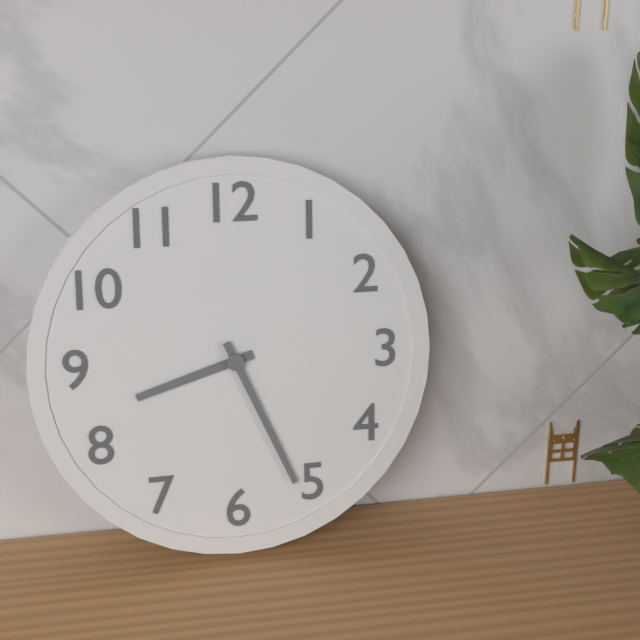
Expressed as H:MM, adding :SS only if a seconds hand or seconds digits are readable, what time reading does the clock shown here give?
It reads 8:26
